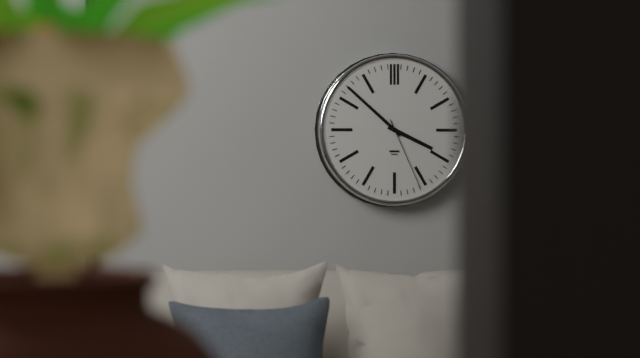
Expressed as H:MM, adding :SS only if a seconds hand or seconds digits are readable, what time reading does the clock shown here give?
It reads 3:52:26
